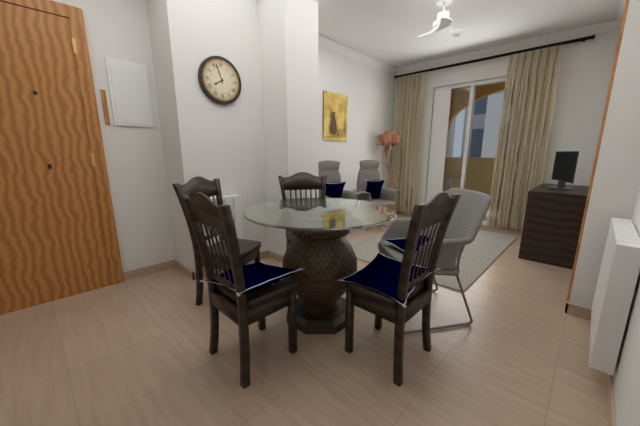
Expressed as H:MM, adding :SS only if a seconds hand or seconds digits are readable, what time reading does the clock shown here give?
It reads 7:57
